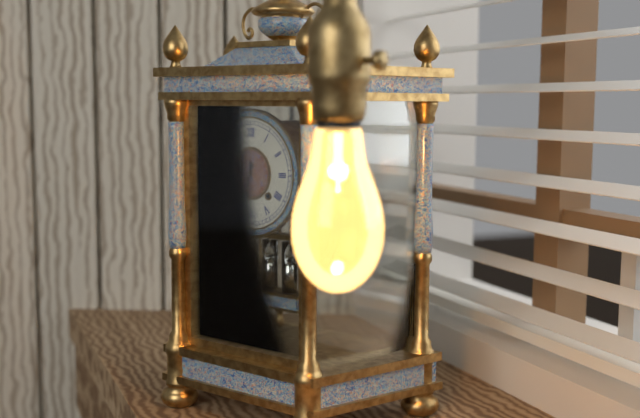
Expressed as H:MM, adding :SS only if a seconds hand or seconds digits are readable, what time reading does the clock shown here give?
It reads 6:32
